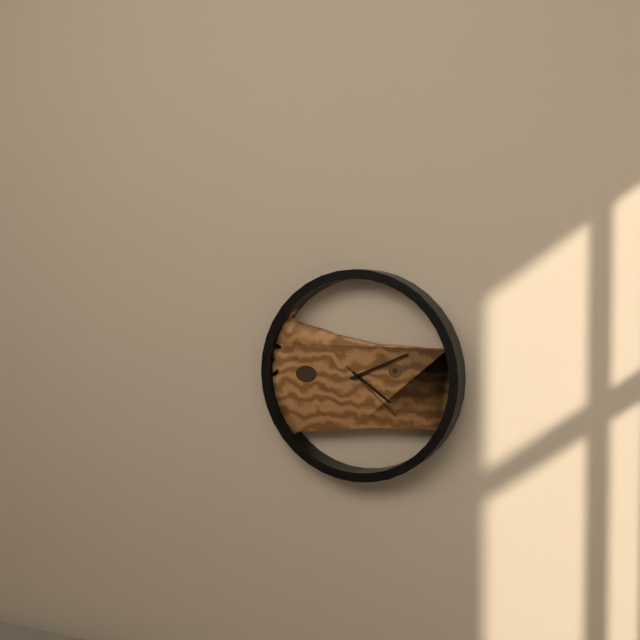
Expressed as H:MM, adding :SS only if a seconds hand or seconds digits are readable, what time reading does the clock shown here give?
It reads 4:11:22
